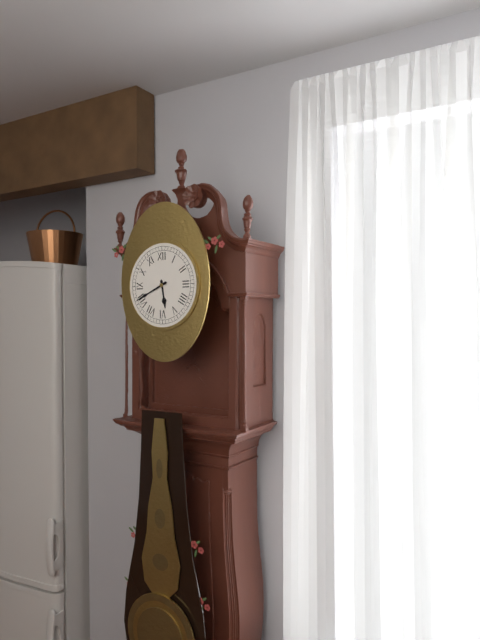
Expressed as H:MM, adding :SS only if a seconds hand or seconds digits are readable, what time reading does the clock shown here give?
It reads 5:41
